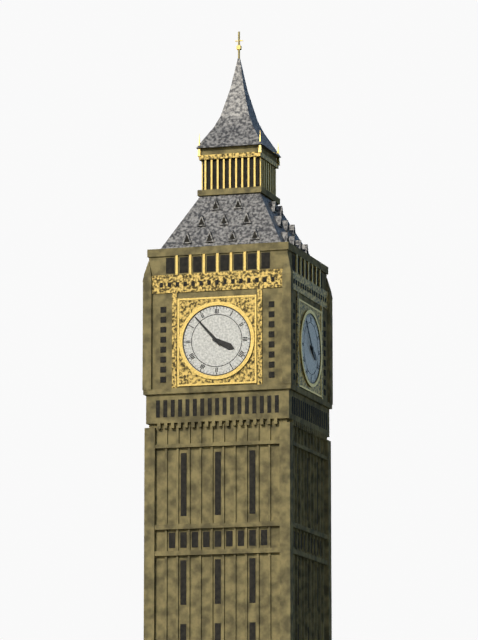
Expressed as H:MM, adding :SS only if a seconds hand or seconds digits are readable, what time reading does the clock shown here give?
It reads 3:53
